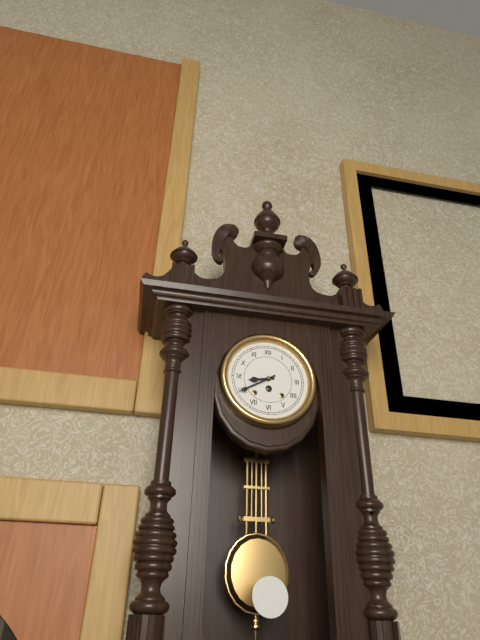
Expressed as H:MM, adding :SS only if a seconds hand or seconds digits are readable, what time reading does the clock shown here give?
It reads 8:40
